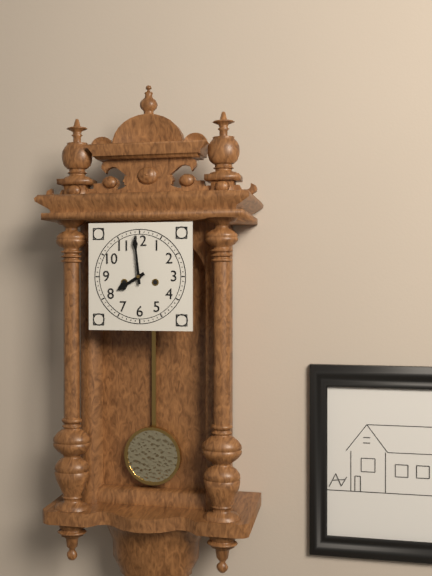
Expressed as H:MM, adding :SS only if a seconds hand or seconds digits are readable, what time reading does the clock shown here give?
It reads 7:59
